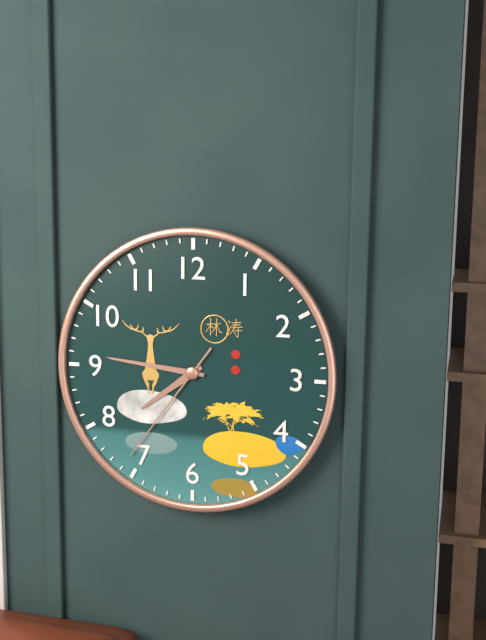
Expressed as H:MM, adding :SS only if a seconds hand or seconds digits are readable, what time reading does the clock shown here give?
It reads 7:46:36
